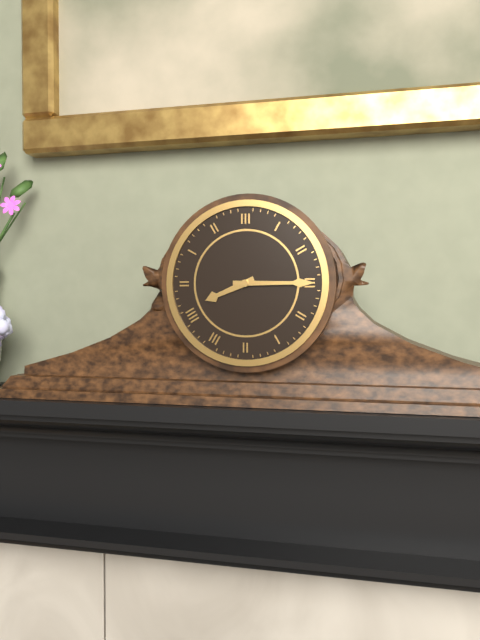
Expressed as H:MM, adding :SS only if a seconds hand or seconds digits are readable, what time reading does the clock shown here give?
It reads 8:15
